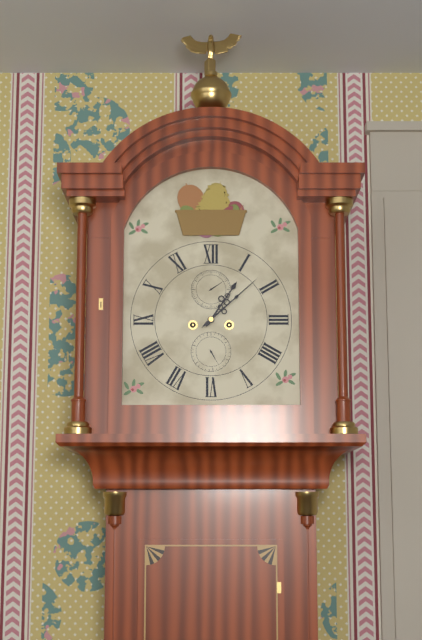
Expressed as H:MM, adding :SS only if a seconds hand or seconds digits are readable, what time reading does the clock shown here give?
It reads 1:08
